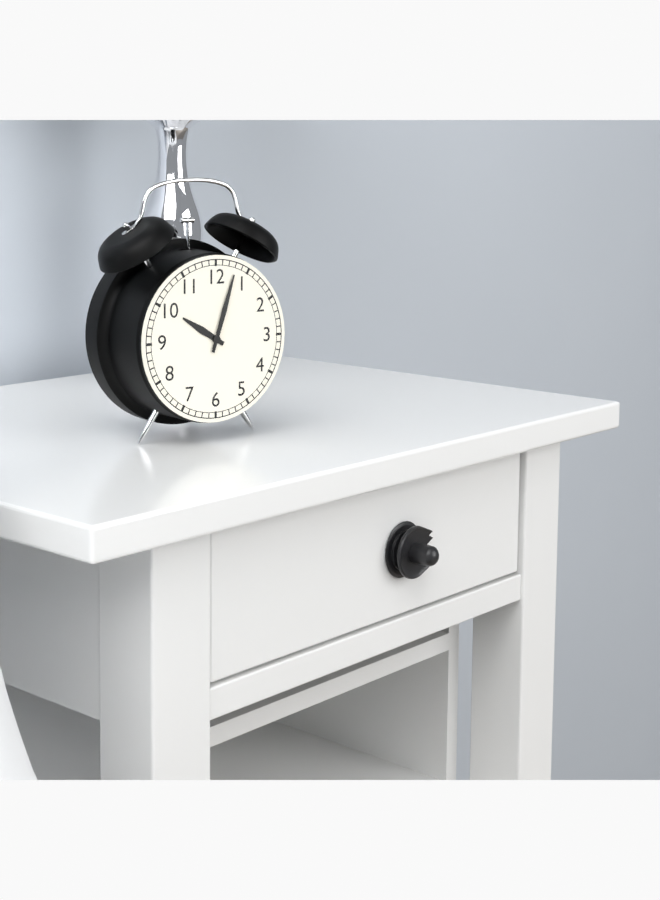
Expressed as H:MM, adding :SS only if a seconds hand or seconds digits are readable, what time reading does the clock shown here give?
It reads 10:03
